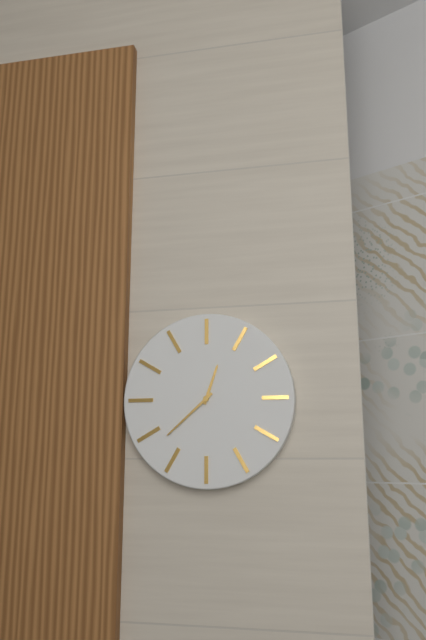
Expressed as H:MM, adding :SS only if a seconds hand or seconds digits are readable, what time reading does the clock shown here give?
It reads 12:38
